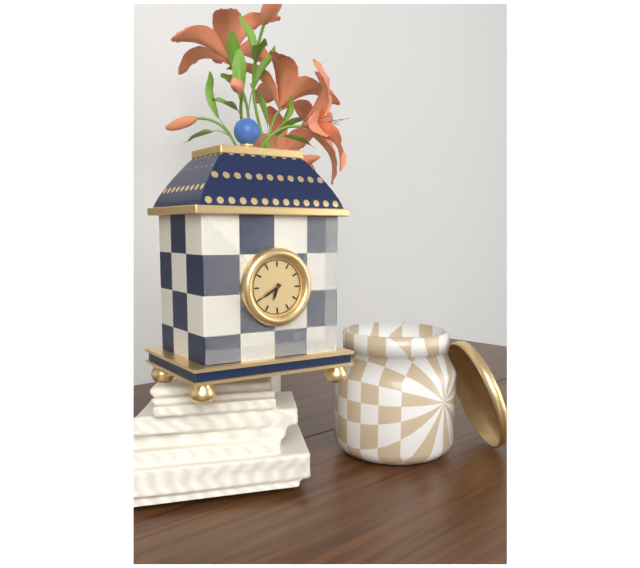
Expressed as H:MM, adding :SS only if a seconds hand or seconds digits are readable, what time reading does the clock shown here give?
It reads 6:40
